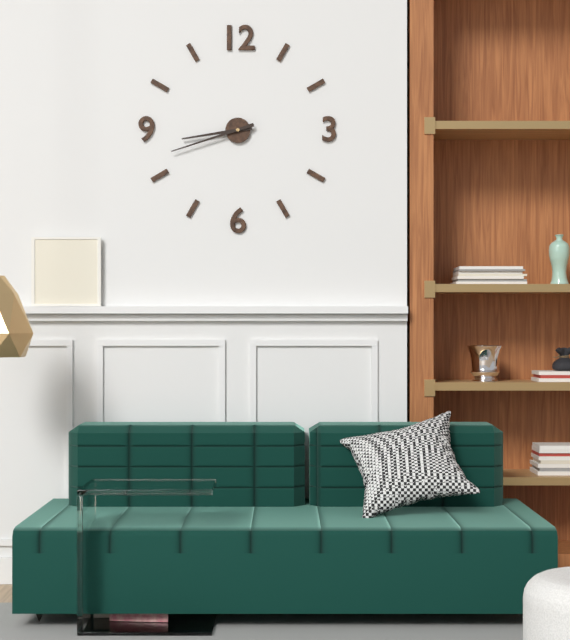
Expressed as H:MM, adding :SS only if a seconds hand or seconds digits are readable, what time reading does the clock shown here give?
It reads 8:42
